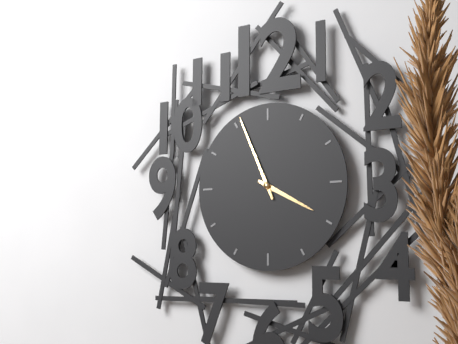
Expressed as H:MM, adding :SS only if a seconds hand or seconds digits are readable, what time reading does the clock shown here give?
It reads 3:56
